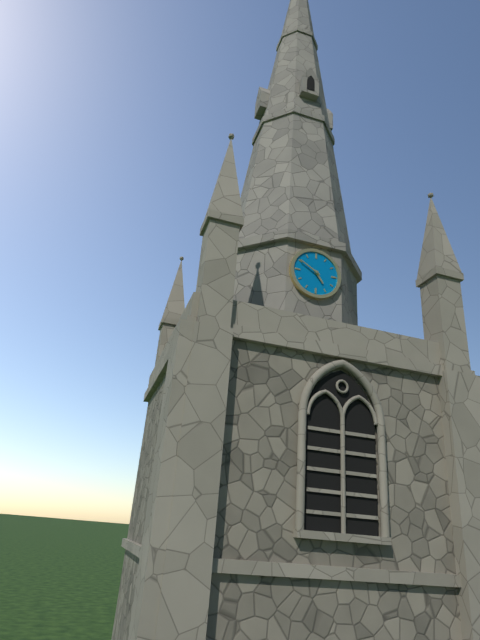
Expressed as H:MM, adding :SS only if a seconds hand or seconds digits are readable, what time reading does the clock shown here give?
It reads 4:50
